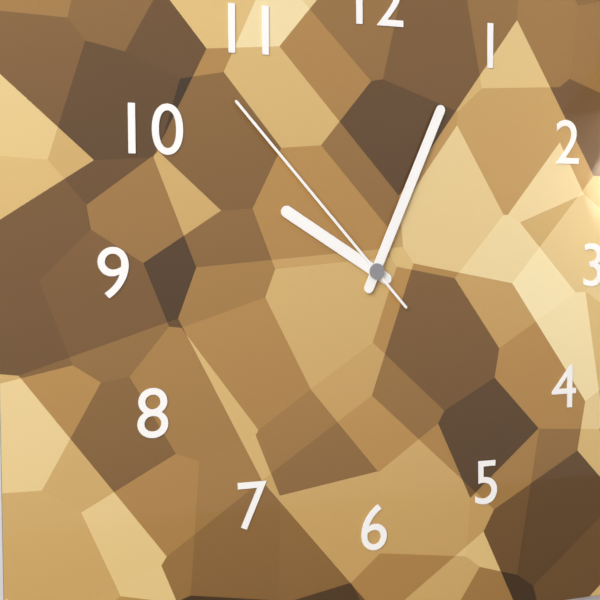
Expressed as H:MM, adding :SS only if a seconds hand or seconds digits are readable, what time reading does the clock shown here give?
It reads 10:04:53
